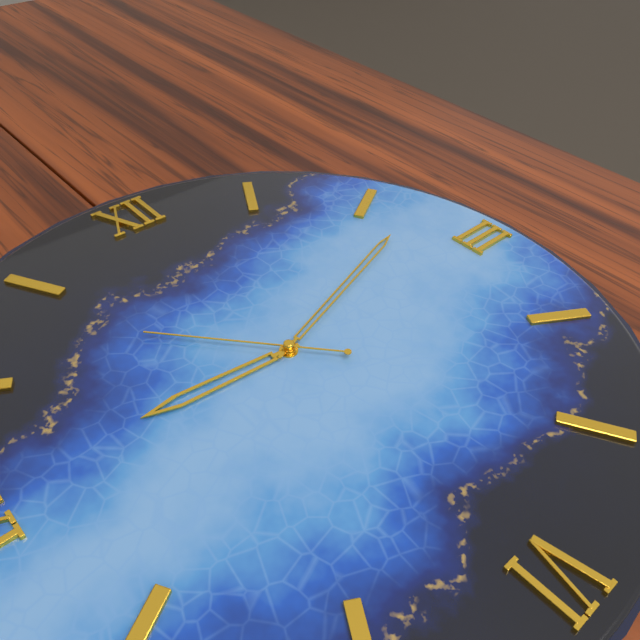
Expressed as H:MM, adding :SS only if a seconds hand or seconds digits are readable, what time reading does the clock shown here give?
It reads 9:12:53
